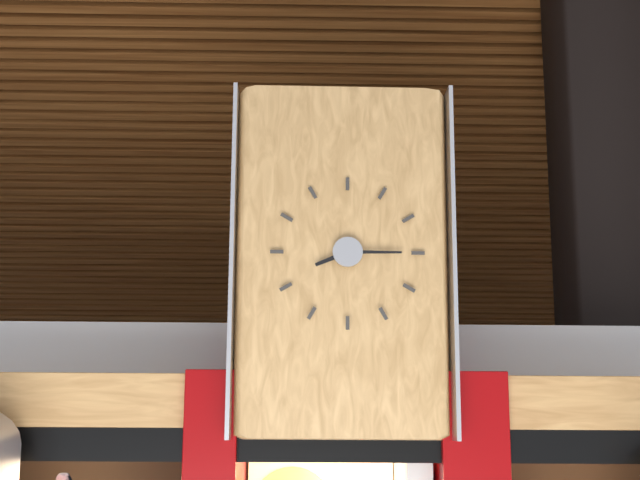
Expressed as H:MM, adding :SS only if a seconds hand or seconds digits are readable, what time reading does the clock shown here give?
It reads 8:15
